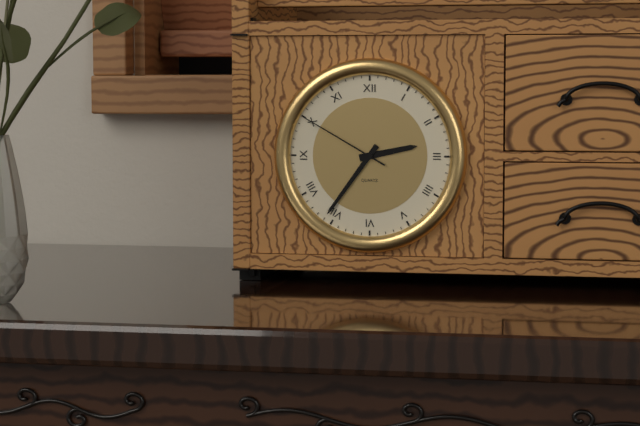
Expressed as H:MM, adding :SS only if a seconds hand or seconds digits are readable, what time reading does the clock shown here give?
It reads 2:36:50
